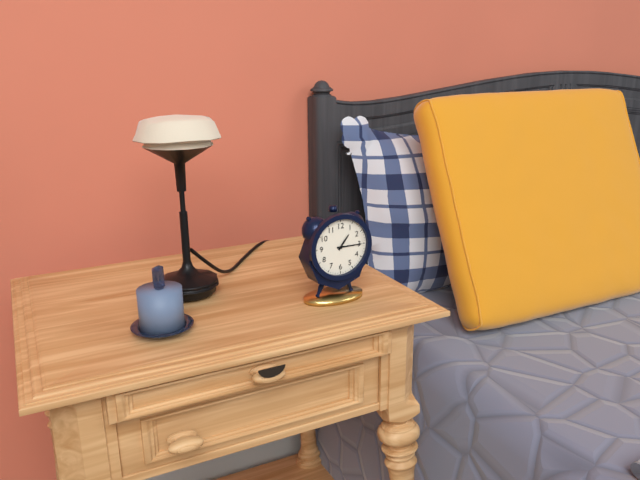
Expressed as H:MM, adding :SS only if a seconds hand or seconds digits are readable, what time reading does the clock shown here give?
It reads 1:15
